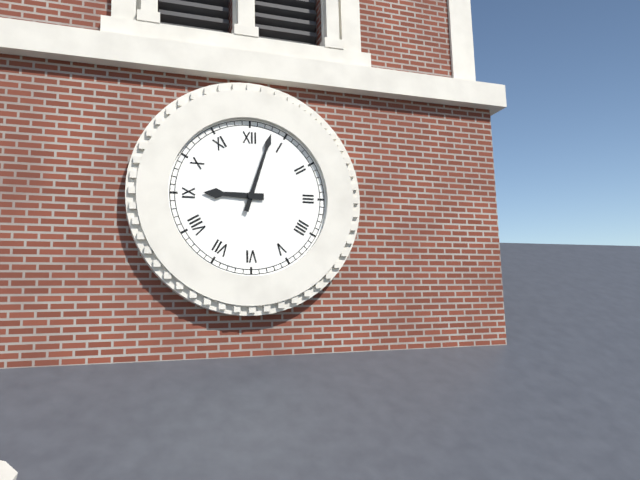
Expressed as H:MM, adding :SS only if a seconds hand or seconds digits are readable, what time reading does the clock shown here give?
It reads 9:03
